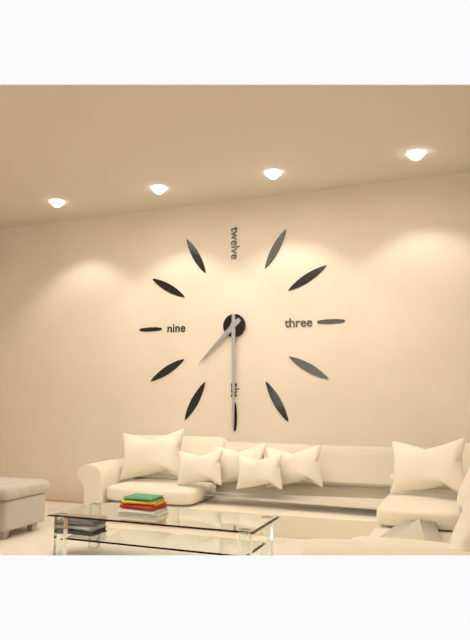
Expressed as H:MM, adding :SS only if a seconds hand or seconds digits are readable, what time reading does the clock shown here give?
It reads 7:30
